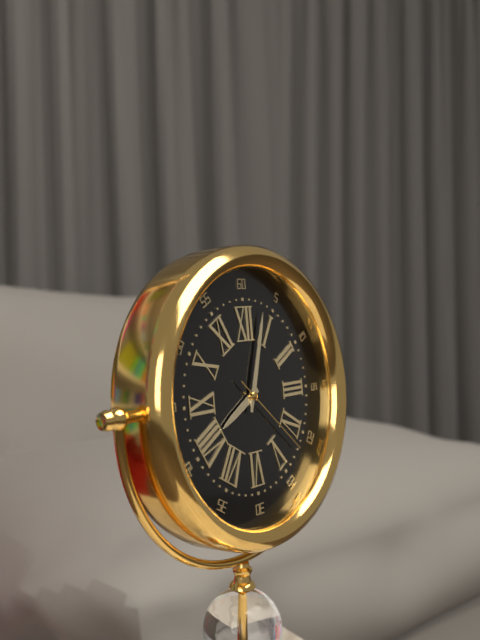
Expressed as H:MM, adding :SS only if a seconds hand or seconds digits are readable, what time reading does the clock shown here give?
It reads 8:03:22
